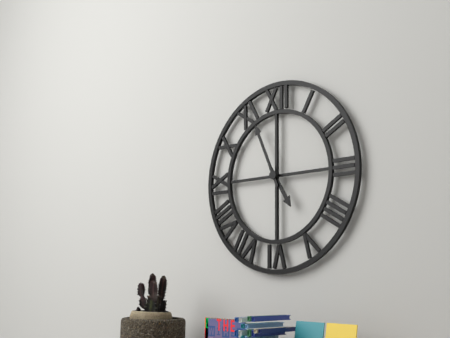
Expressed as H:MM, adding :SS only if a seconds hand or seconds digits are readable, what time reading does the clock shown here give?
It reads 4:56
